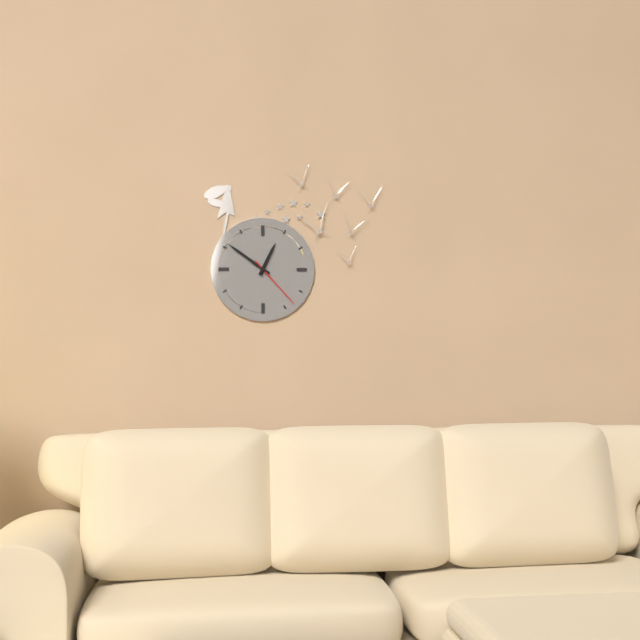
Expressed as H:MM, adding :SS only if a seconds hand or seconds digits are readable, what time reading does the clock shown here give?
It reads 12:51:23
